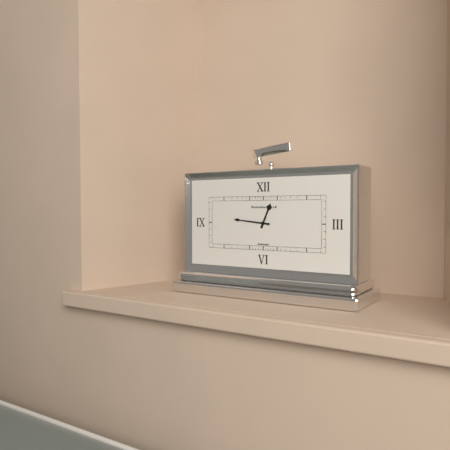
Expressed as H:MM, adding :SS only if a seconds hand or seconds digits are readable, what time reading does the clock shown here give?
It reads 12:46
